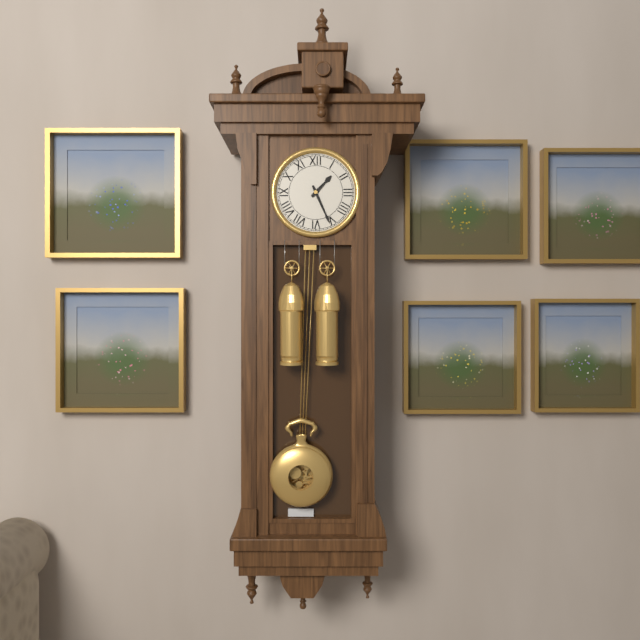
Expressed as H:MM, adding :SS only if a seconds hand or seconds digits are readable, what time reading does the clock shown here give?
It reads 1:26
